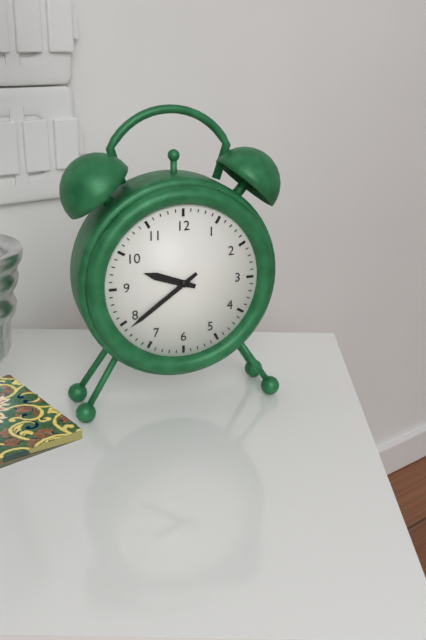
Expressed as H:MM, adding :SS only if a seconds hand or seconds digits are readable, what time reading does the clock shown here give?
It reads 9:39
